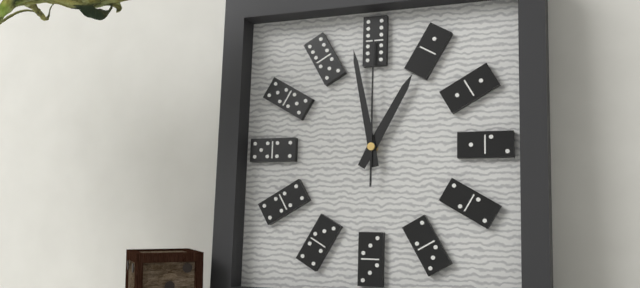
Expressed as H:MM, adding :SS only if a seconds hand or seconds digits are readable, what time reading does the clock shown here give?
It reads 12:58:00
